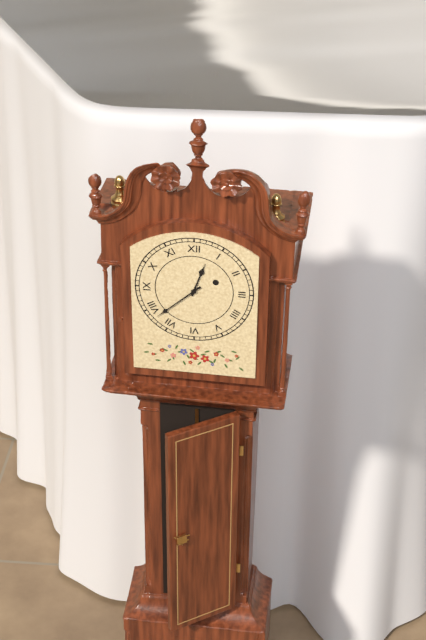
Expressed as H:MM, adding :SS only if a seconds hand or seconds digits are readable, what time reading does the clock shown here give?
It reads 12:38
